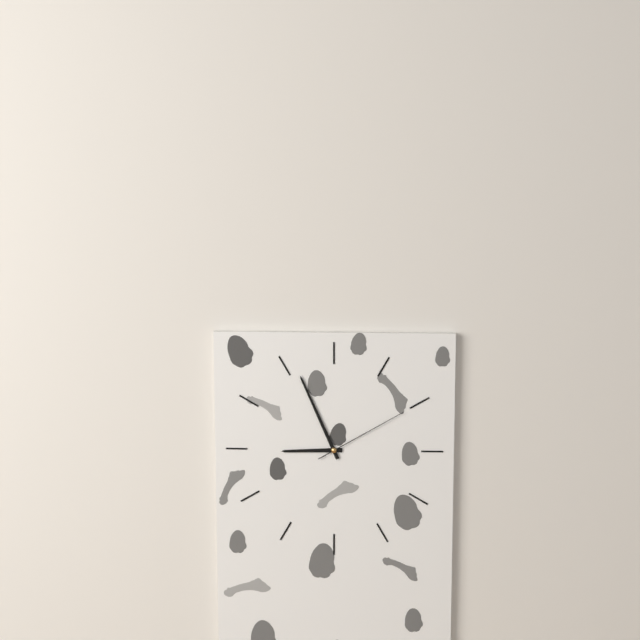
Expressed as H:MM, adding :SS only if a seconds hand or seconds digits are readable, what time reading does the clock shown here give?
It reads 8:56:10
